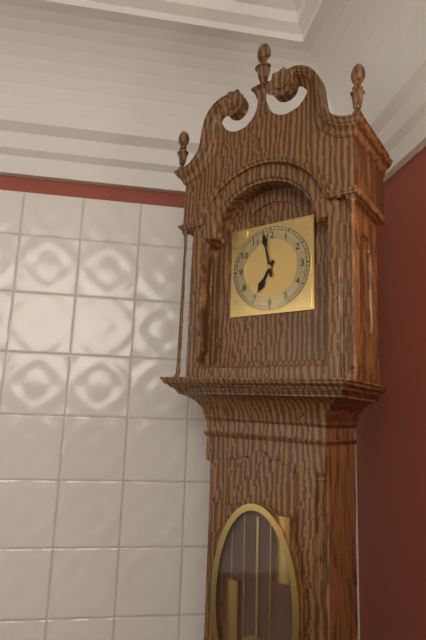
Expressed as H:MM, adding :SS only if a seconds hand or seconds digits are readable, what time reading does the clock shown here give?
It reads 6:58
